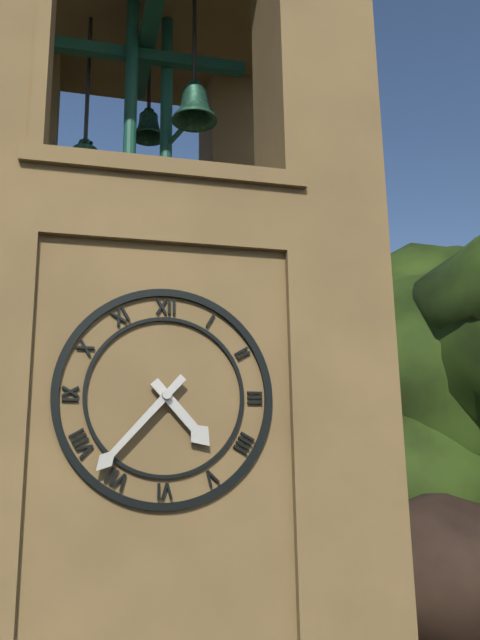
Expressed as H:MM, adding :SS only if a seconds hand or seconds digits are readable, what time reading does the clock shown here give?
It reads 4:37
